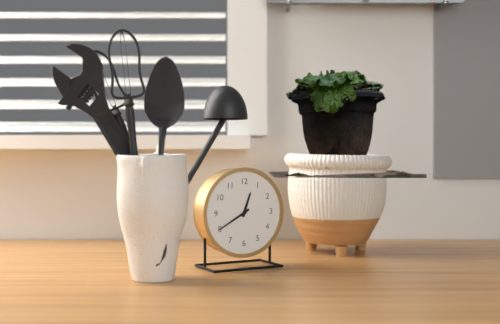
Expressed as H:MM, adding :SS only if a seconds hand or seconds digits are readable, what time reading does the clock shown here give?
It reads 12:40
